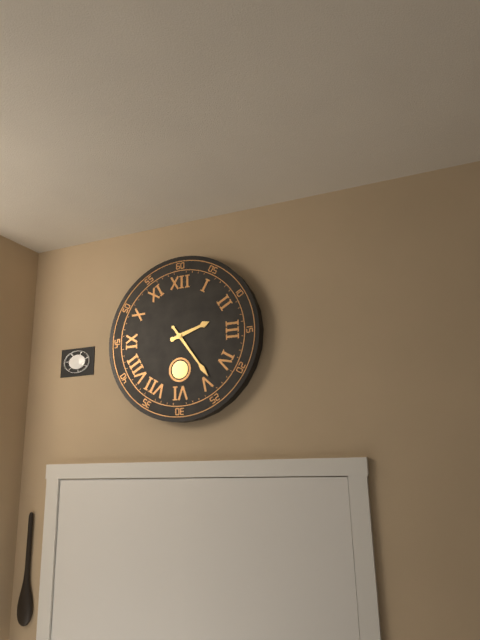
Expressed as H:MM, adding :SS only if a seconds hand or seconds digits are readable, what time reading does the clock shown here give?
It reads 2:24
